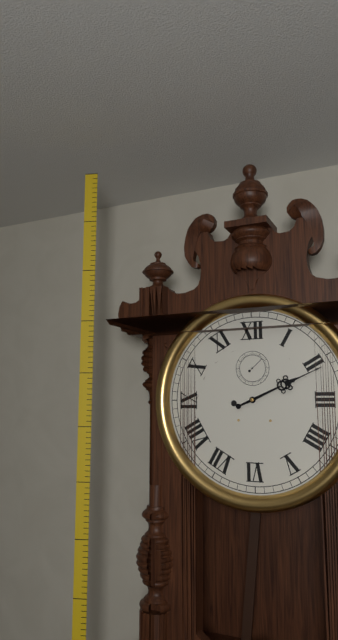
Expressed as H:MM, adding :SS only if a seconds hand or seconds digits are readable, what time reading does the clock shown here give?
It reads 2:11
